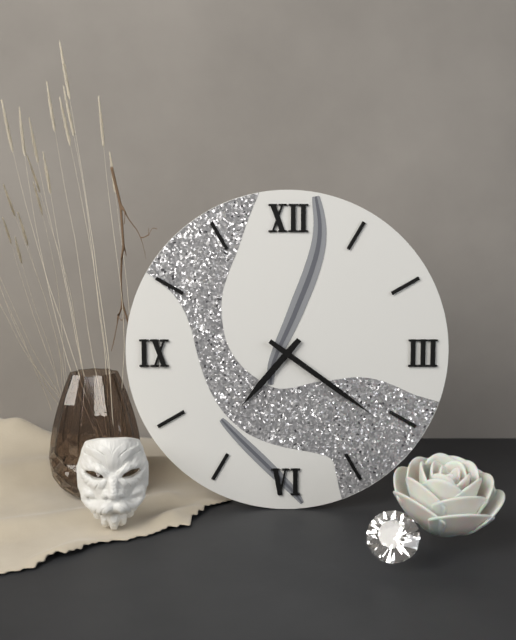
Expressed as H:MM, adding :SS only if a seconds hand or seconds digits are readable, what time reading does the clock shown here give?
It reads 7:21
